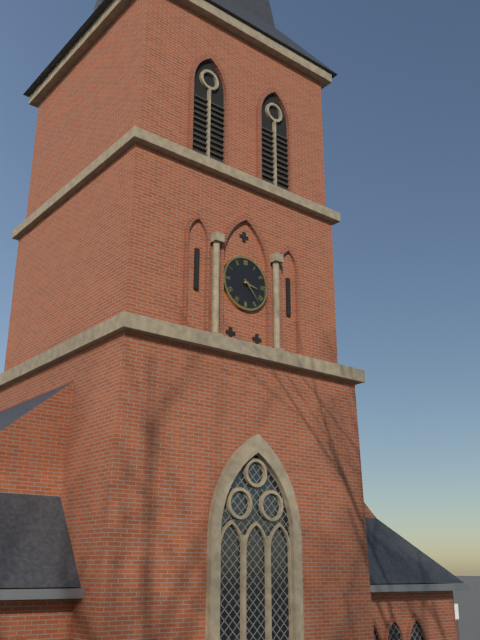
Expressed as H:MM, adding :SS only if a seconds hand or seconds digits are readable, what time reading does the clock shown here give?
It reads 3:23
